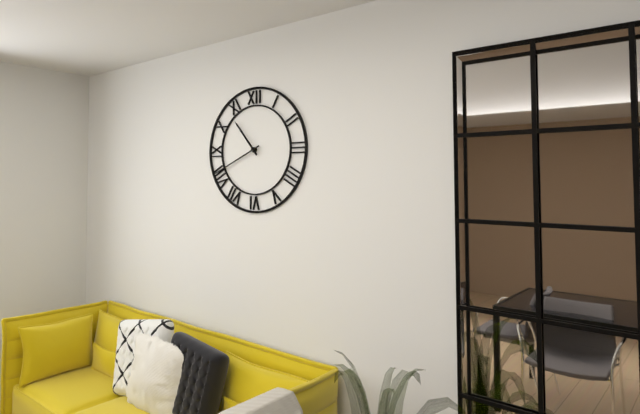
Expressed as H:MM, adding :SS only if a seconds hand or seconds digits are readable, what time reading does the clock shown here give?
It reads 10:41
